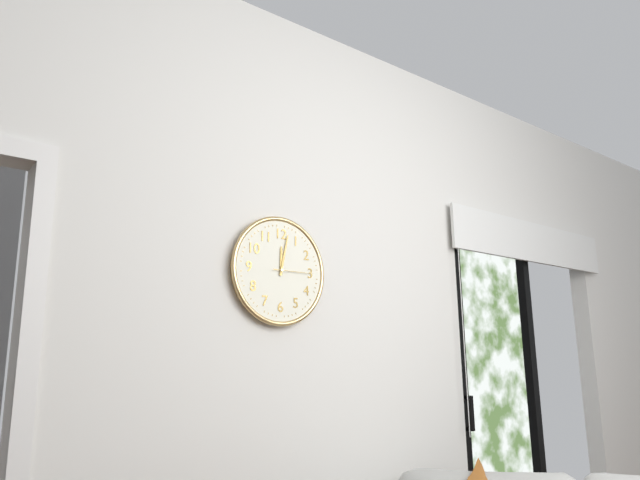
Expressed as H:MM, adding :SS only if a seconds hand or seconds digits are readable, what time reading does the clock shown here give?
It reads 12:02
